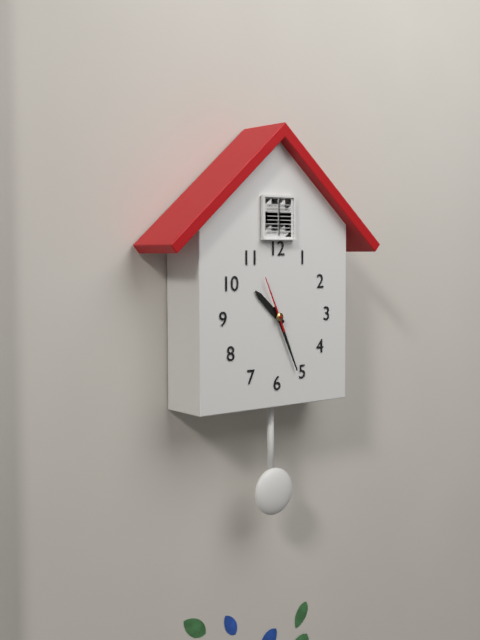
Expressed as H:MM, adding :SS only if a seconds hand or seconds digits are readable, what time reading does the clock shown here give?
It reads 10:26:56
